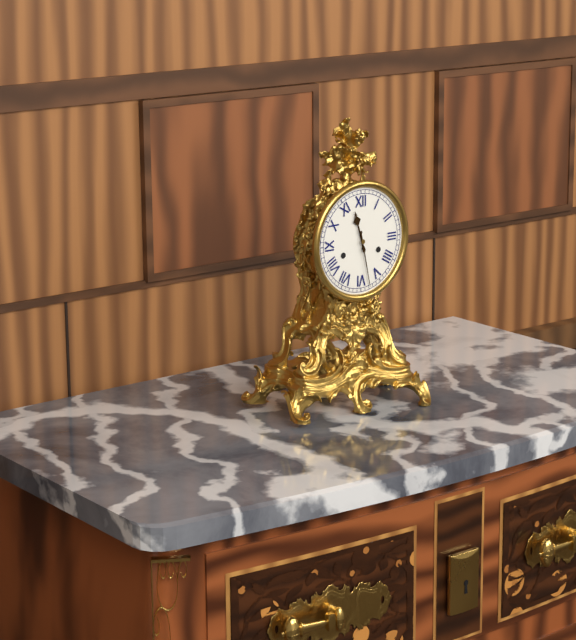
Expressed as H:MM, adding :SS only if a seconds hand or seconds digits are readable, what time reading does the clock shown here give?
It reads 11:28
